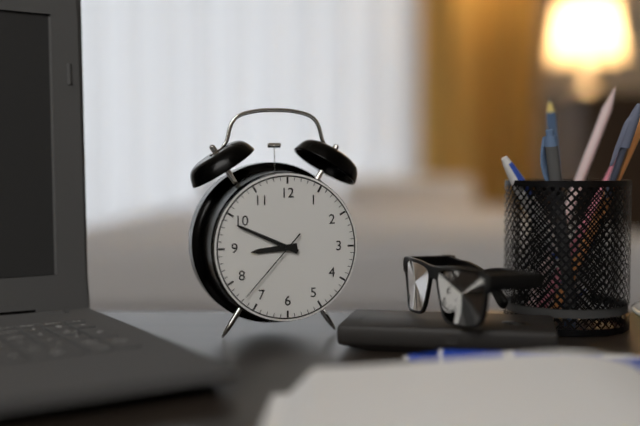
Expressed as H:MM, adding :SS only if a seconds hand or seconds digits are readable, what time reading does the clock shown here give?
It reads 8:49:37
